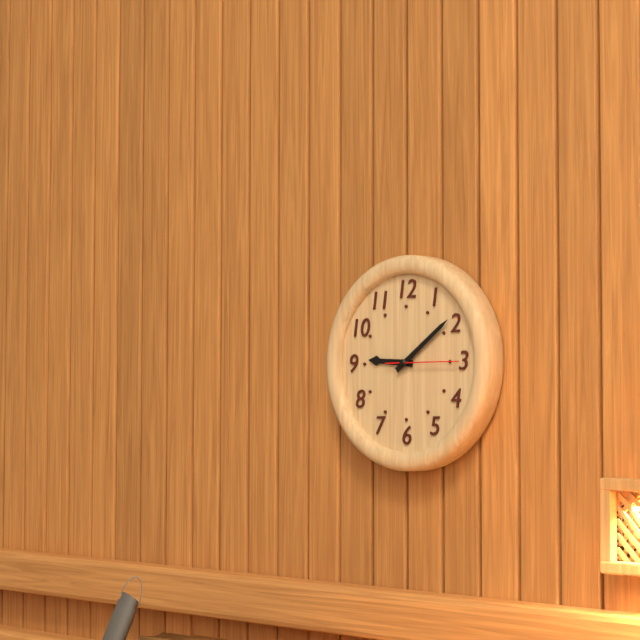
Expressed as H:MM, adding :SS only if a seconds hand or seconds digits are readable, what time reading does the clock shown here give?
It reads 9:09:15
